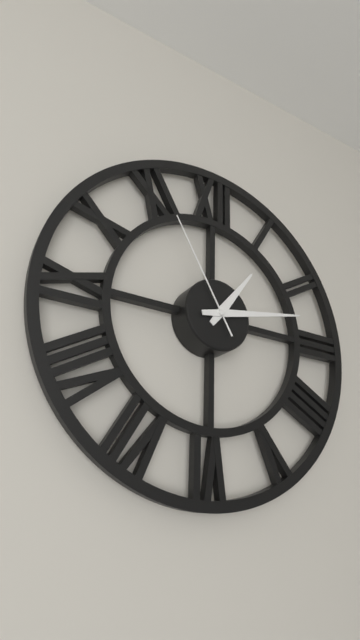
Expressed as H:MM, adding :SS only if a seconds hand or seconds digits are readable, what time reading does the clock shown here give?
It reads 1:13:55
